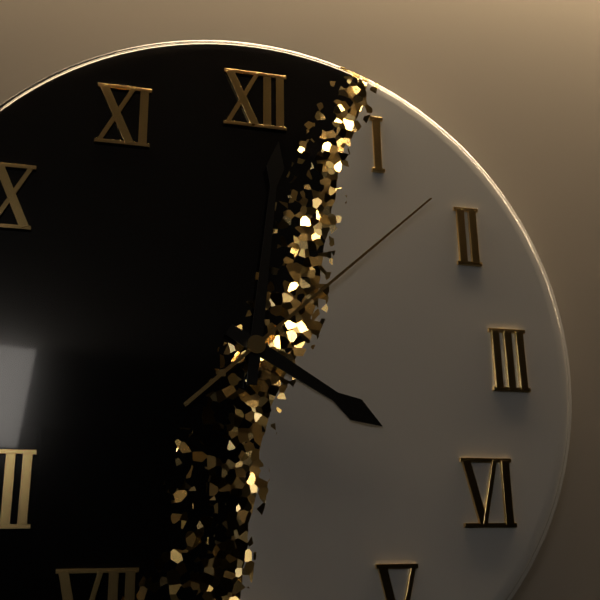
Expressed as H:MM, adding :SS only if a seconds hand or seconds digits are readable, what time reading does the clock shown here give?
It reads 4:01:08
